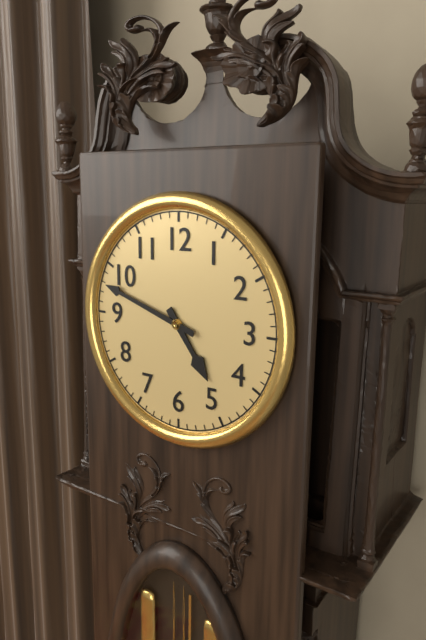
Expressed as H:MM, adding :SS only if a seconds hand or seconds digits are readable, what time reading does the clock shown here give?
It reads 4:48
